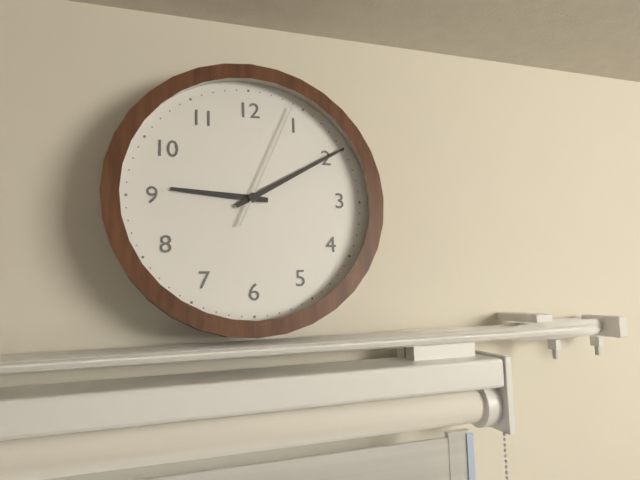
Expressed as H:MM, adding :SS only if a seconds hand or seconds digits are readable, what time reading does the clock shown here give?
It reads 9:10:04
